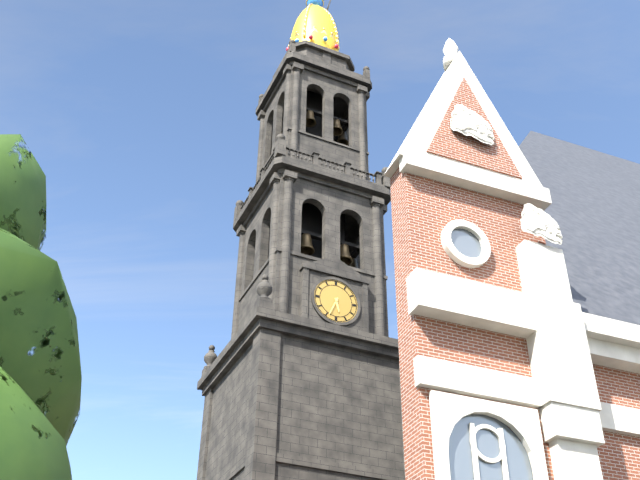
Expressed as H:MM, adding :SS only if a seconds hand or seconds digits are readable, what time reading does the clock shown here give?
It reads 5:34
